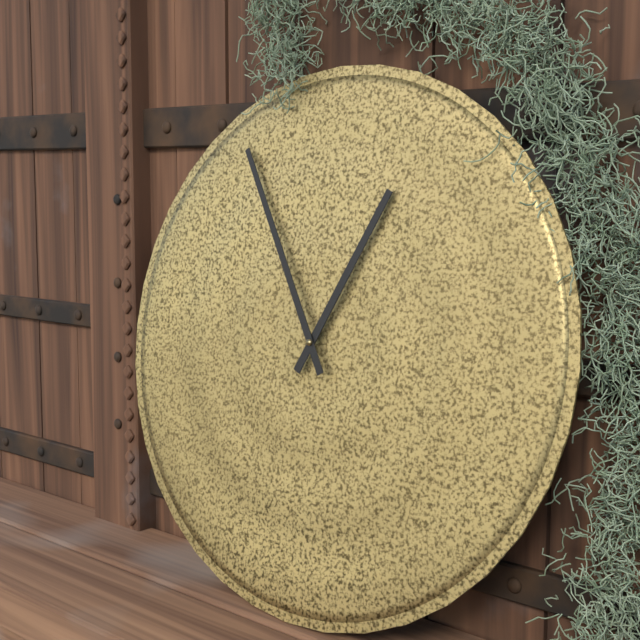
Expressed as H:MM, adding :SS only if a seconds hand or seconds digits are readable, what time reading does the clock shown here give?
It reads 12:55
